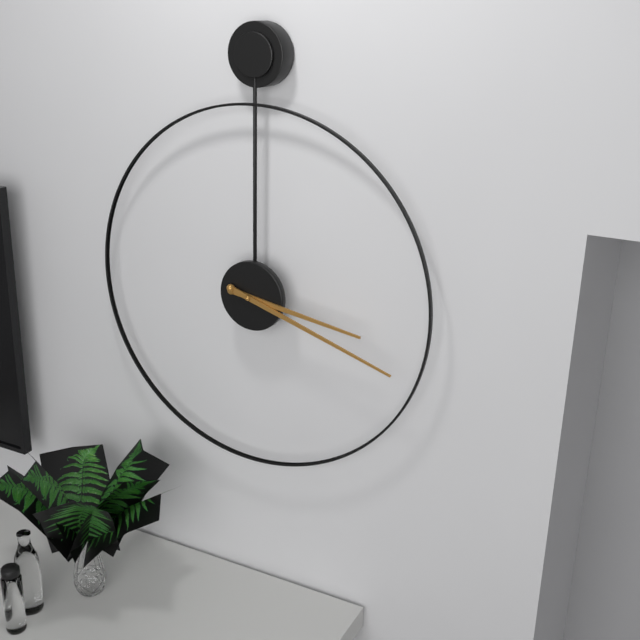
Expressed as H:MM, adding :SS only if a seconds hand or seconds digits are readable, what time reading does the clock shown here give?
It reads 3:18
